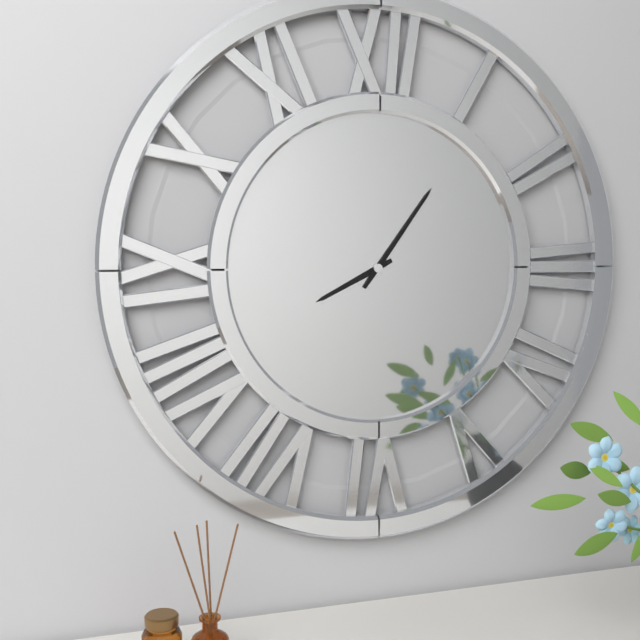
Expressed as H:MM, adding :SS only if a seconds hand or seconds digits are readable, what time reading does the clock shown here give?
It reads 8:06
